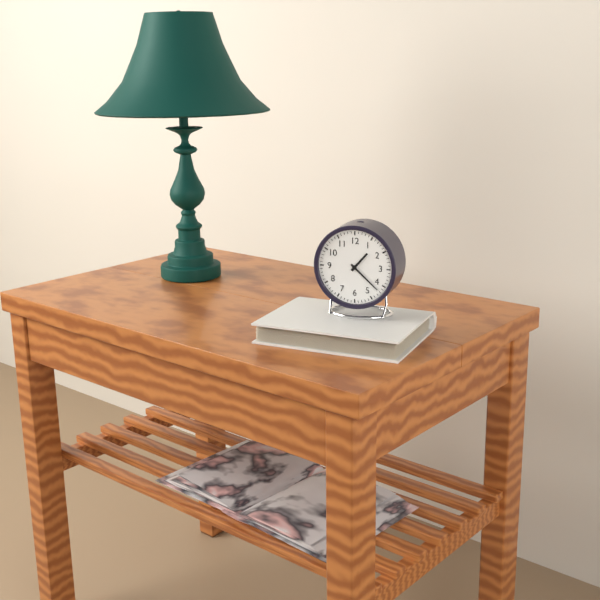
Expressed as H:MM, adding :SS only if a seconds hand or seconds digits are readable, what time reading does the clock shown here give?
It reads 1:22
